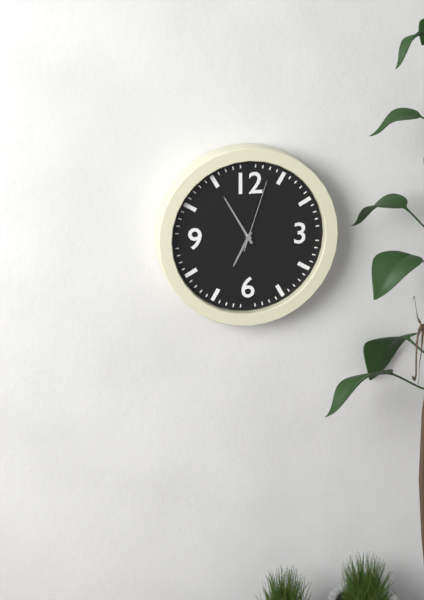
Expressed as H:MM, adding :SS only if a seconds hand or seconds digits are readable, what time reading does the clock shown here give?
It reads 6:55:03
